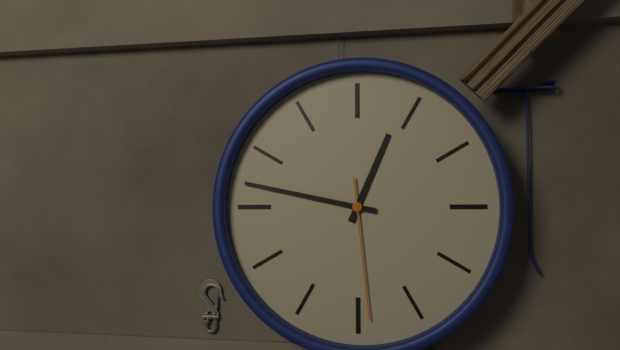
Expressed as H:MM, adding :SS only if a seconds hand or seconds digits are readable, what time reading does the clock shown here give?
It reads 12:47:29
